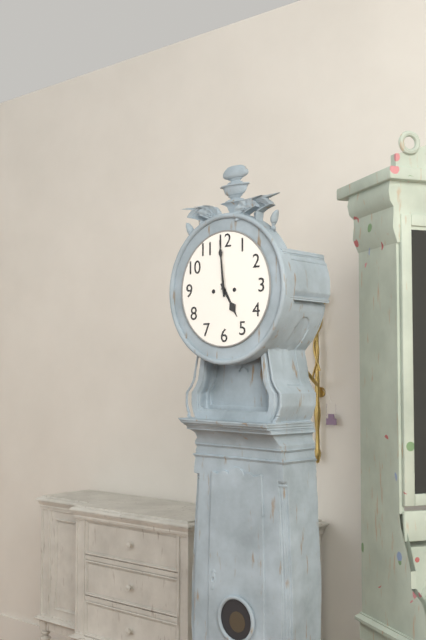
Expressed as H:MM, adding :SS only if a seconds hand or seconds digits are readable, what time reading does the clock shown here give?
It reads 4:59
